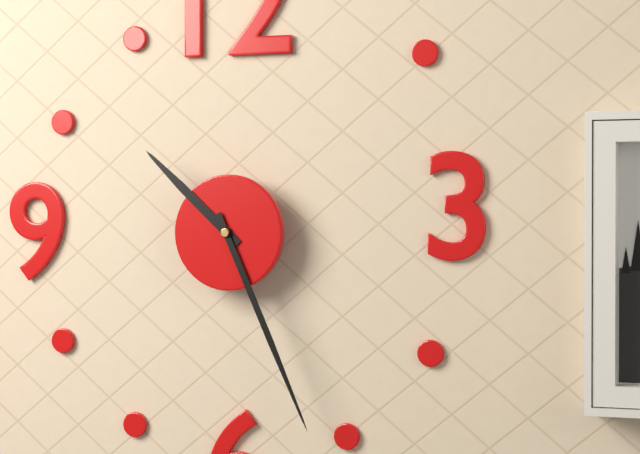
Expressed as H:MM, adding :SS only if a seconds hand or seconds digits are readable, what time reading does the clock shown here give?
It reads 10:26
